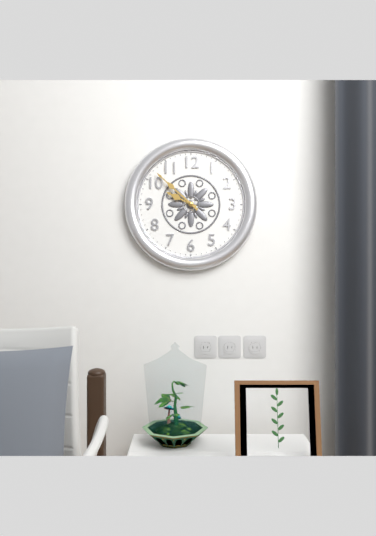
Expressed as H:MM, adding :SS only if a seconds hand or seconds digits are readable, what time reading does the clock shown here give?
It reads 9:52
